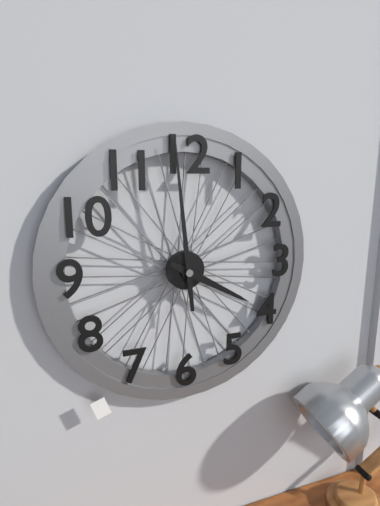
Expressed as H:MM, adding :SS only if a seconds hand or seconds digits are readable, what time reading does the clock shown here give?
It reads 3:59
